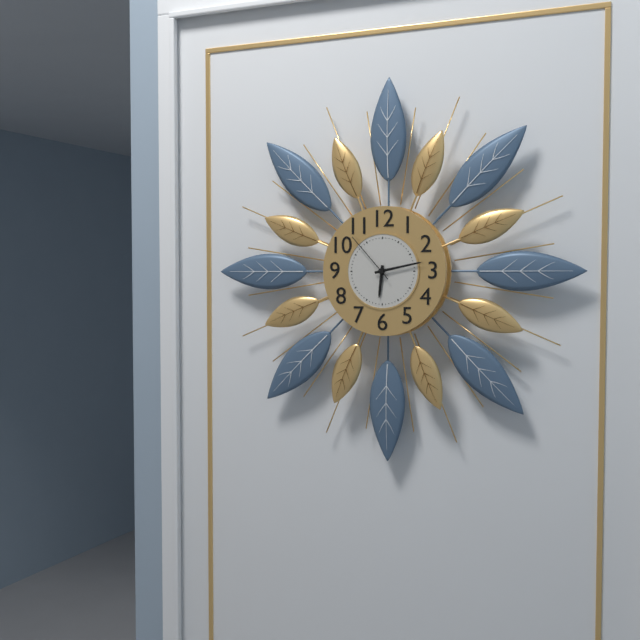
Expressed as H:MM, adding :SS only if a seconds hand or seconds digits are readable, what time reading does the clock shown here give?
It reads 6:13:53
